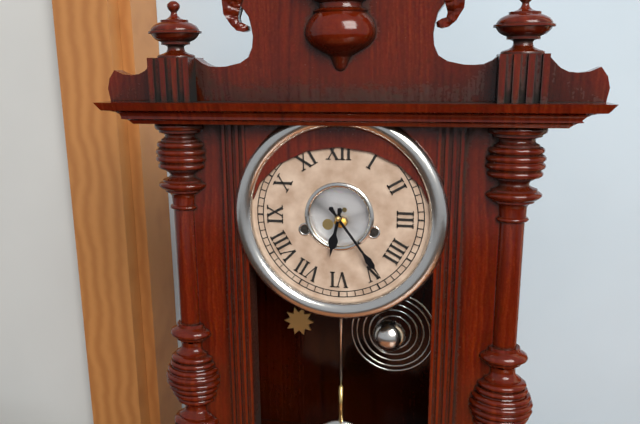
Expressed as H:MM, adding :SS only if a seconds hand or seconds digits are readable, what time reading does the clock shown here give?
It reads 6:24
